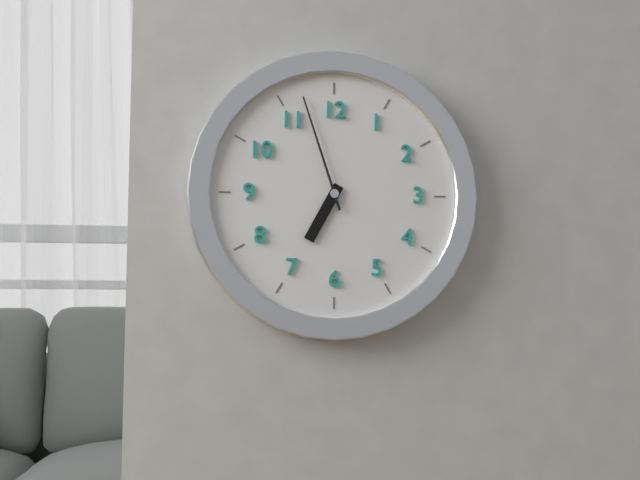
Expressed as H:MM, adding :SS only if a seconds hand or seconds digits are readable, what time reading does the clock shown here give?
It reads 6:57
